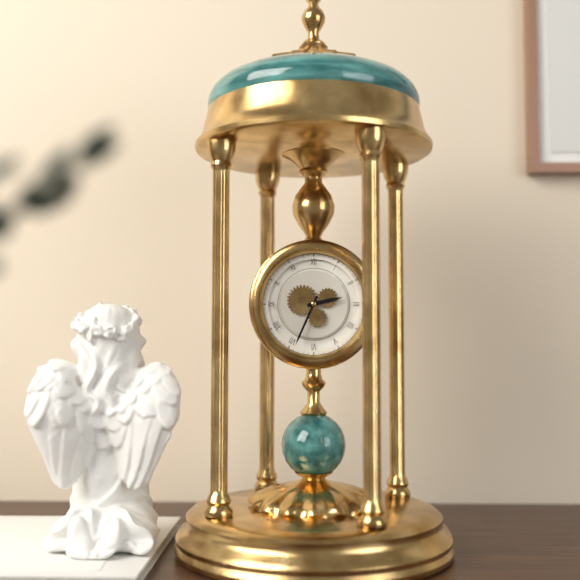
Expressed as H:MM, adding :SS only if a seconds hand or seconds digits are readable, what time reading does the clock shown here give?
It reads 2:34
